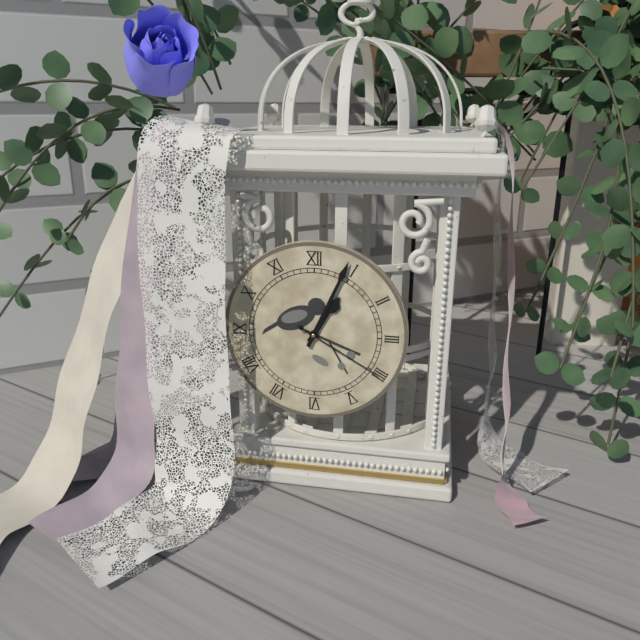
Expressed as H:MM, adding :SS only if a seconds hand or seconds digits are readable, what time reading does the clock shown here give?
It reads 1:04:20
